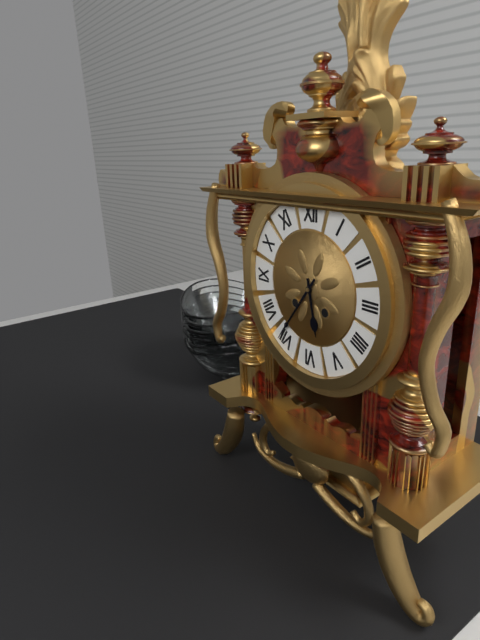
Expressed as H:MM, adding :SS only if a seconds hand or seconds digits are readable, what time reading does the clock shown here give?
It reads 5:36
